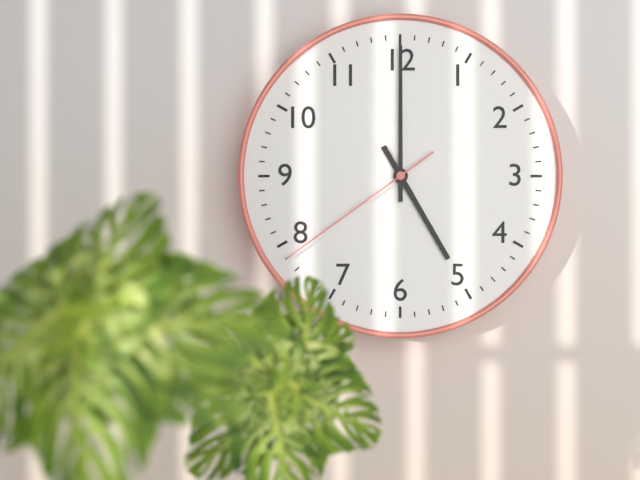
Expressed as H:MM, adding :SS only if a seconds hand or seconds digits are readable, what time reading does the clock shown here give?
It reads 5:00:39
